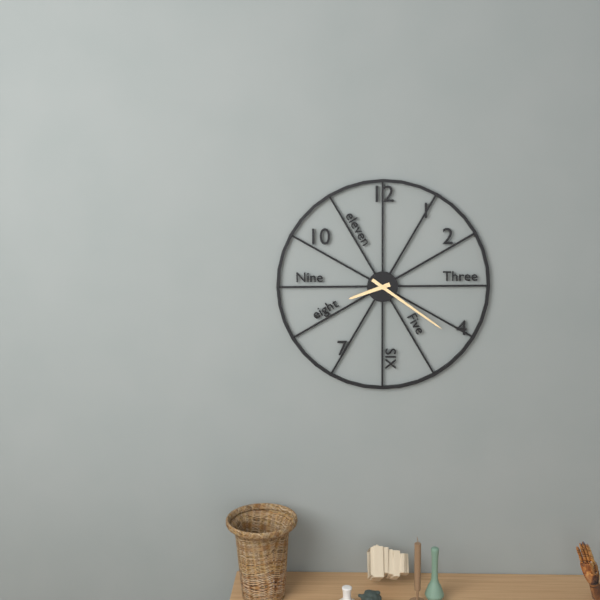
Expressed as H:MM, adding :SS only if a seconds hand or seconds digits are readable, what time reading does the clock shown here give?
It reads 8:21
